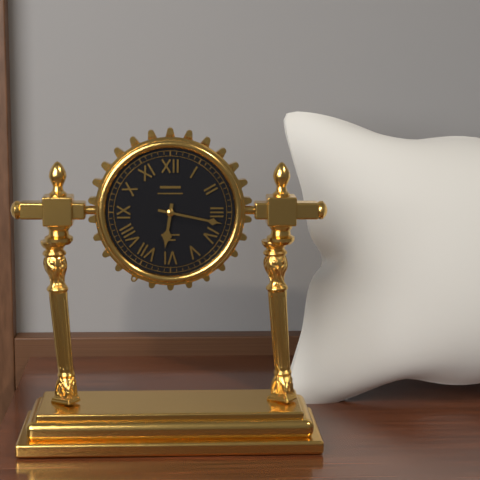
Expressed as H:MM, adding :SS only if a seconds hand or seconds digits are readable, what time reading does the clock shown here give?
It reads 6:17
